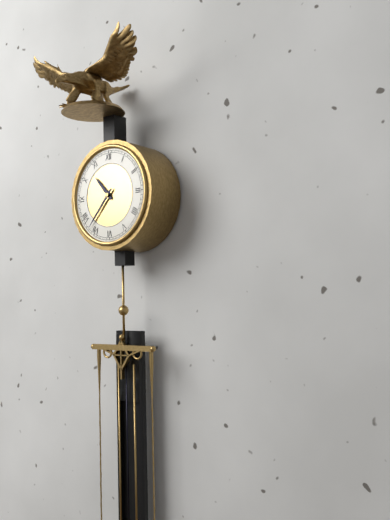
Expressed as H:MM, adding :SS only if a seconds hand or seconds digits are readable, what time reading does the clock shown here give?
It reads 10:37
